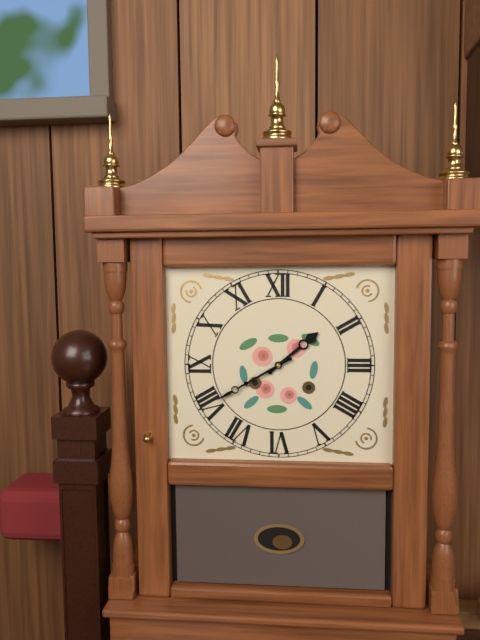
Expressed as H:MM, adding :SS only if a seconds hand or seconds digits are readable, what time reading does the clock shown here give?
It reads 1:40
